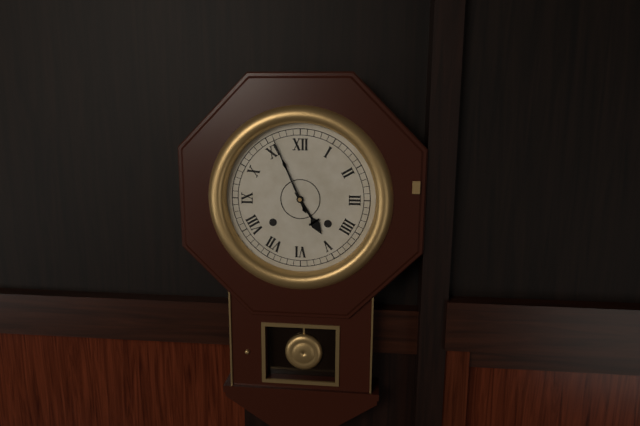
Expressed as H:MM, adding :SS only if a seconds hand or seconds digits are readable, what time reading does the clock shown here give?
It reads 4:56
